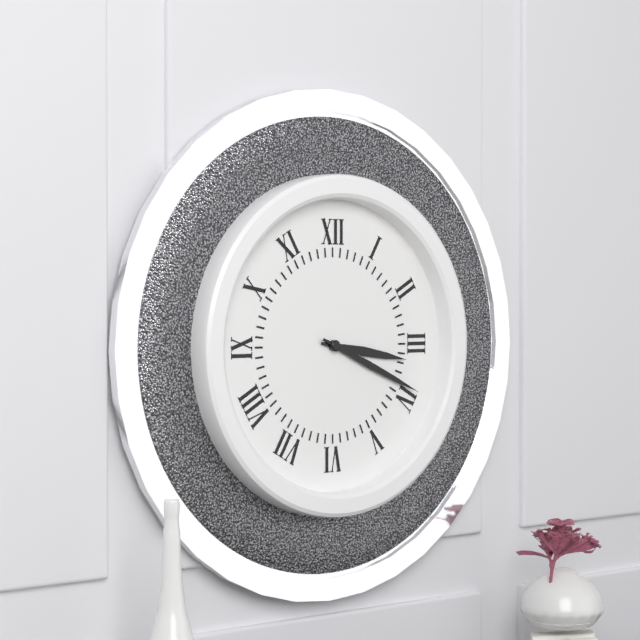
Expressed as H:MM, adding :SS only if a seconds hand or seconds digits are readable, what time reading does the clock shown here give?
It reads 3:19
